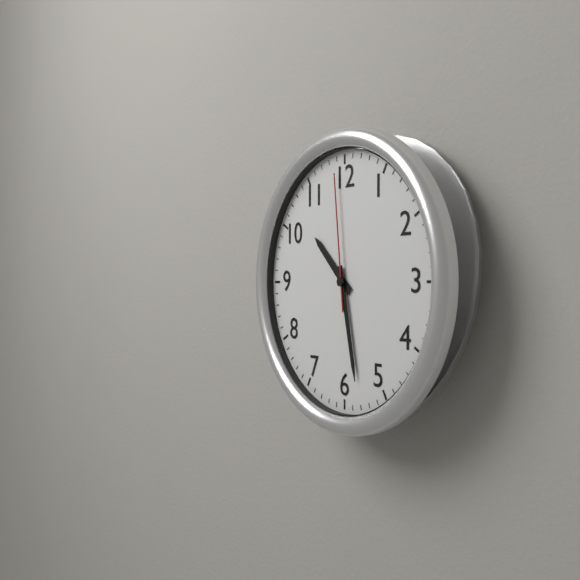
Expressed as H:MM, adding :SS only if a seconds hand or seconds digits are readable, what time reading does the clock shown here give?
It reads 10:28:59
